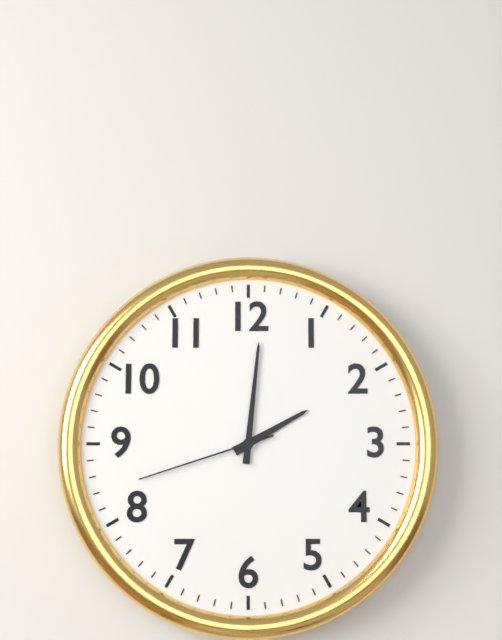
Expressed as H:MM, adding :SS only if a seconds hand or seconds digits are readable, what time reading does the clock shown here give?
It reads 2:01:42
